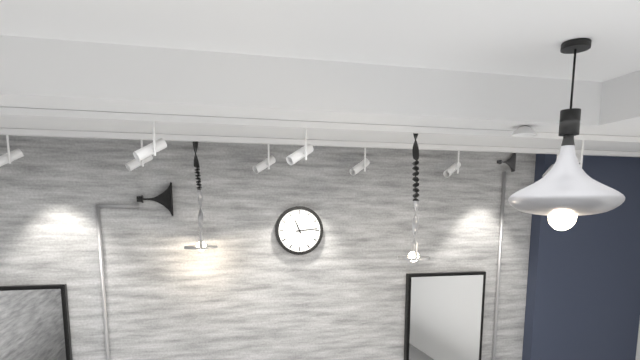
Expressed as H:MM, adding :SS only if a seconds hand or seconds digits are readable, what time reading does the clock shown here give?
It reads 11:14
